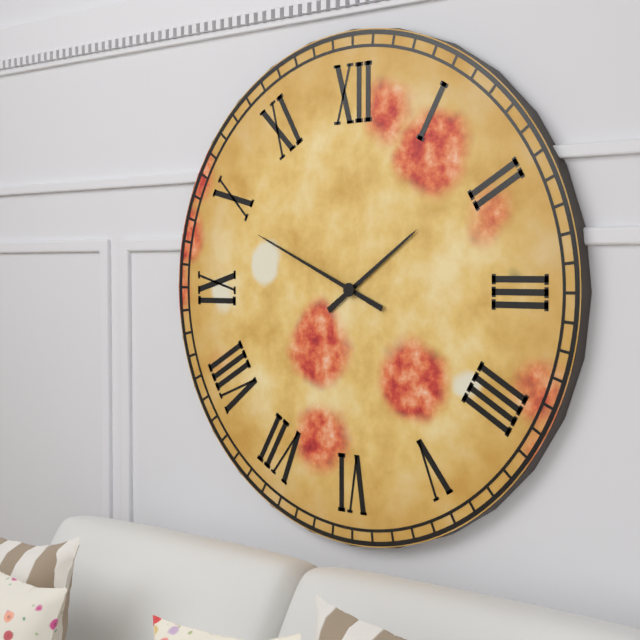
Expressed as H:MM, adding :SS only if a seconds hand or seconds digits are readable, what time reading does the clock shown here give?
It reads 1:49
